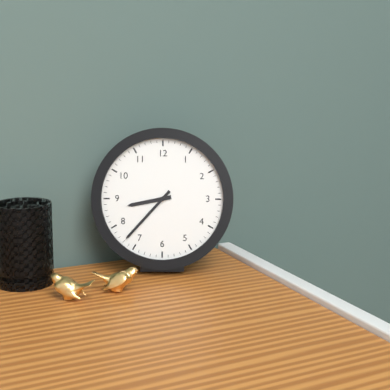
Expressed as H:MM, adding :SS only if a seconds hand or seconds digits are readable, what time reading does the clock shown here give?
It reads 8:37
